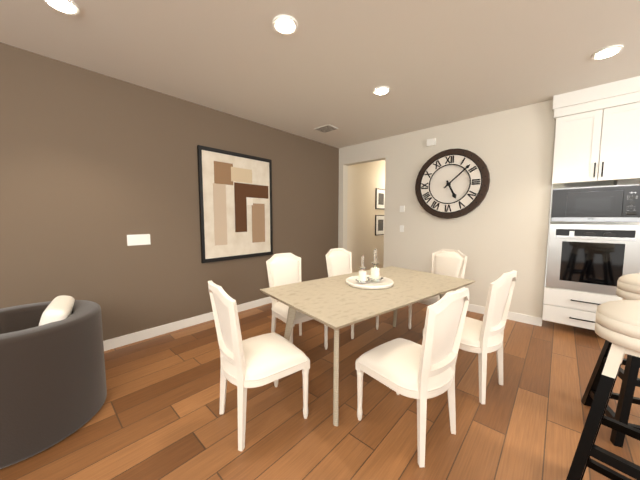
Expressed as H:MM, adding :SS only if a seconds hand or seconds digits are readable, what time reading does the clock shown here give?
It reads 5:08
